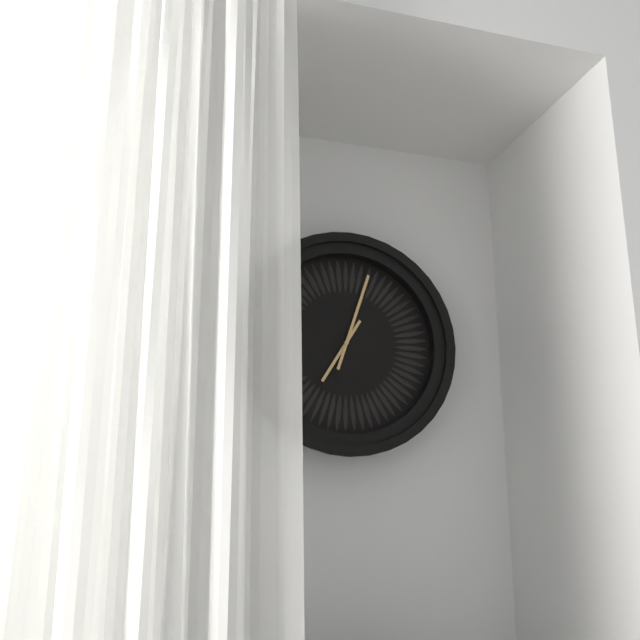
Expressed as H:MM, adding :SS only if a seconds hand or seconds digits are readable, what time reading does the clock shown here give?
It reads 7:03
